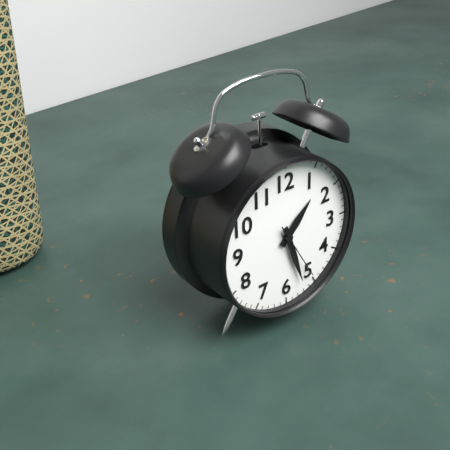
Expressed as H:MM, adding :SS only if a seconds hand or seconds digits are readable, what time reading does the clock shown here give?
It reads 1:27:25
